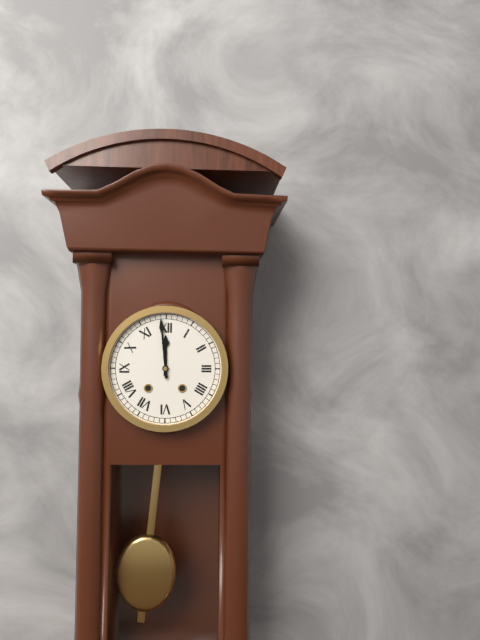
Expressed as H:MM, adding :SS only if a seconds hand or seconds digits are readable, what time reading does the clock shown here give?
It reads 11:59
